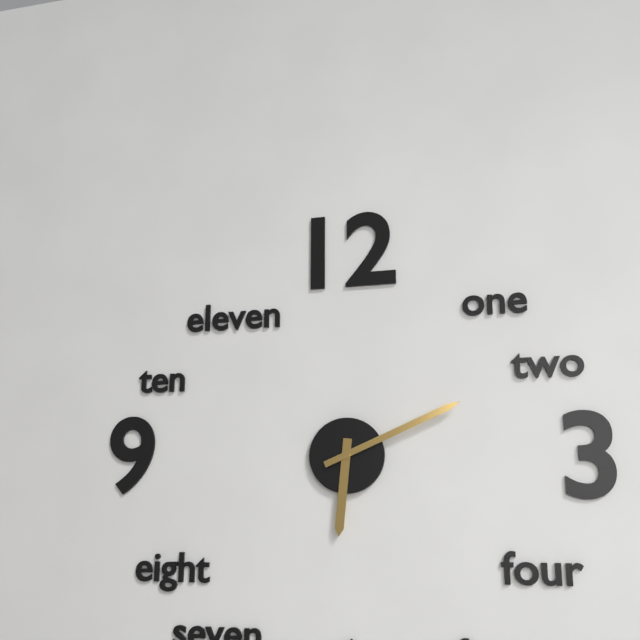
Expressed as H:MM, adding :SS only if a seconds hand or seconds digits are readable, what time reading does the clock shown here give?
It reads 6:11
